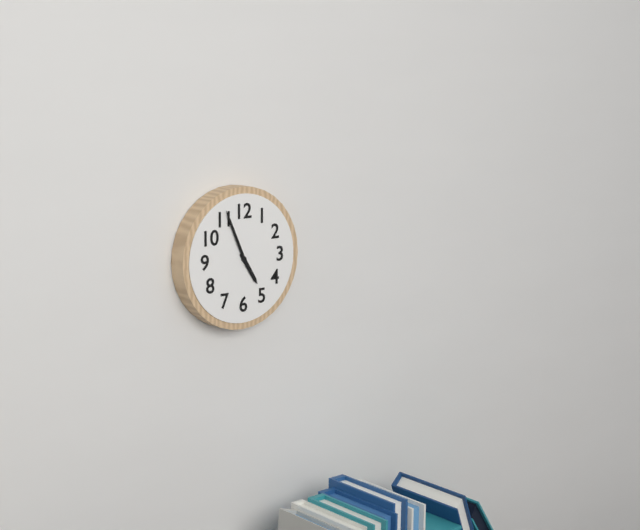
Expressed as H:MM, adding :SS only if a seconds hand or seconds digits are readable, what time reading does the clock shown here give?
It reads 4:56
